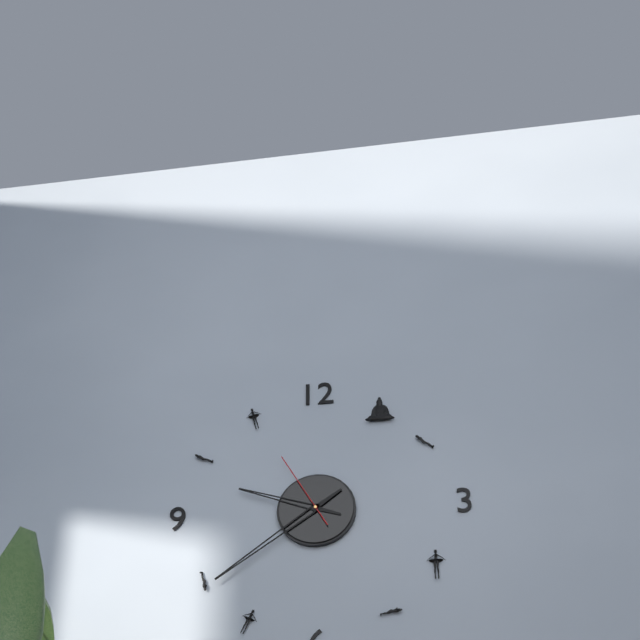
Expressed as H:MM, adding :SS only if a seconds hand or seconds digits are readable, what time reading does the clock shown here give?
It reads 9:39:55
